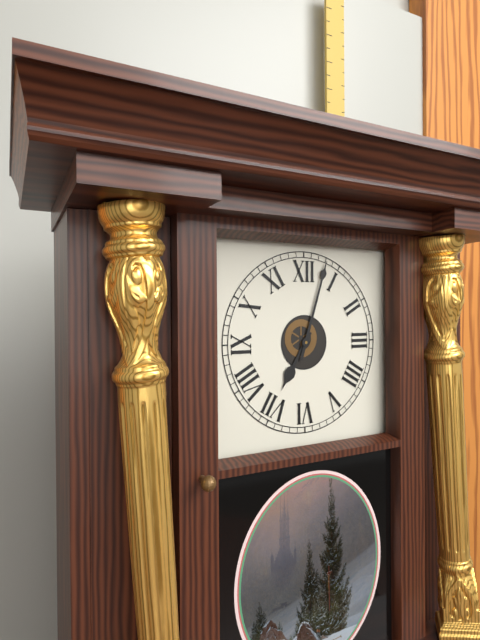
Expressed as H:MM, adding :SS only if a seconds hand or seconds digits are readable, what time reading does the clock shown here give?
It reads 7:03
